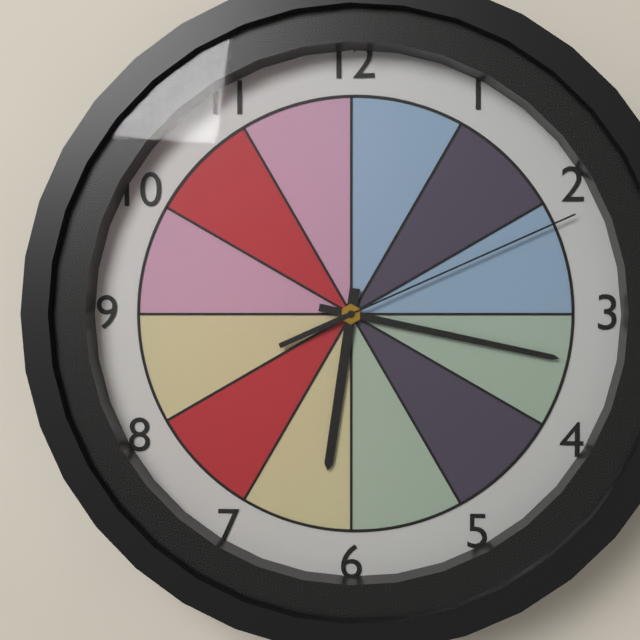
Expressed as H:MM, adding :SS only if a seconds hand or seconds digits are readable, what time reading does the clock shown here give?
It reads 6:17:11
